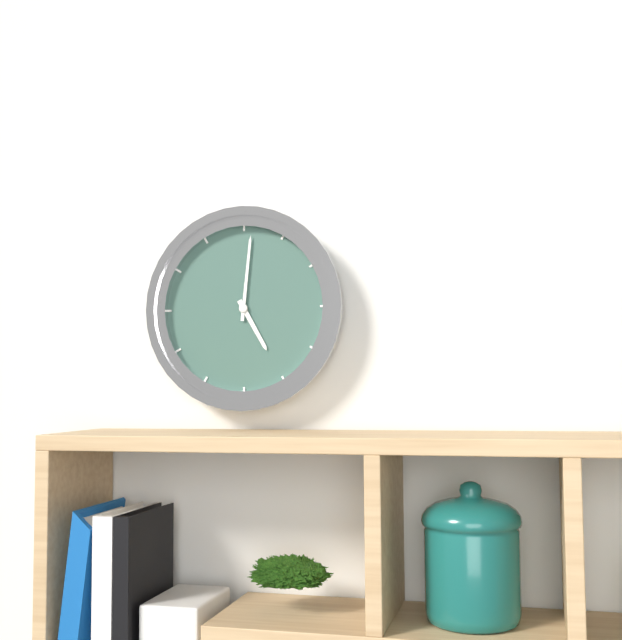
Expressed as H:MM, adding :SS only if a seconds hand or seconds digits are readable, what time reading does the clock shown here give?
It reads 5:01
